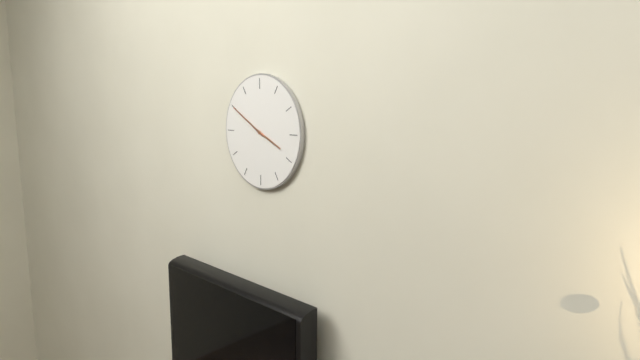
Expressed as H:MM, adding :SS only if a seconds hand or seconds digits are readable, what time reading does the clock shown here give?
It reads 3:50
